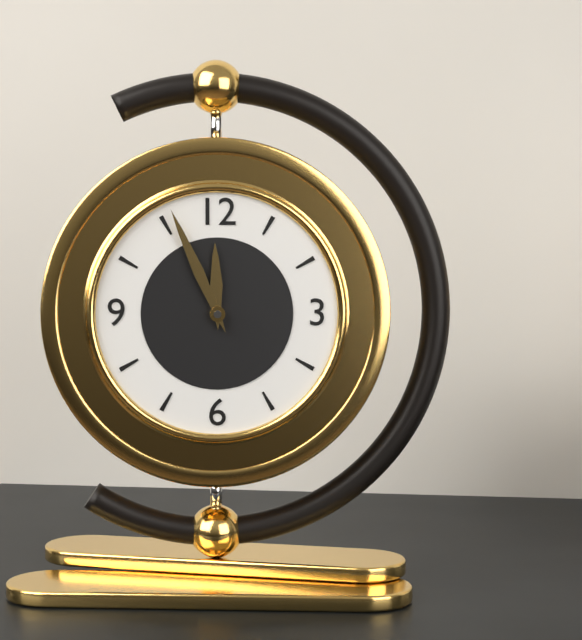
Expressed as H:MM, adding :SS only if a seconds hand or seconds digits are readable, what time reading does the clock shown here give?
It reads 11:56
